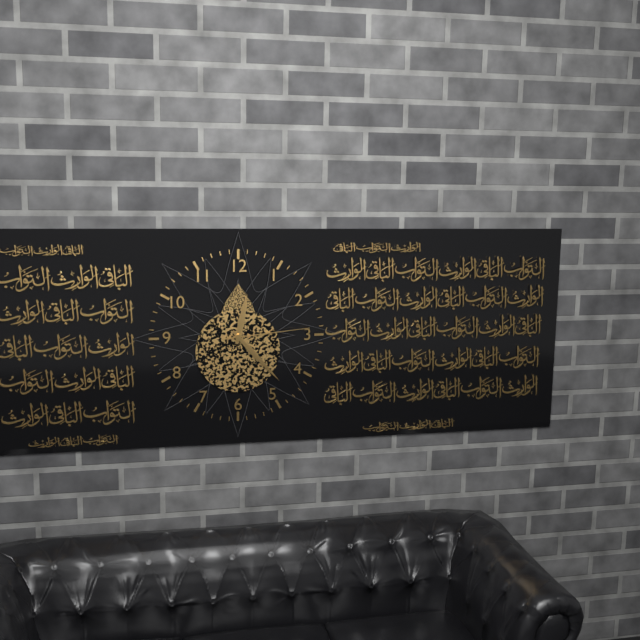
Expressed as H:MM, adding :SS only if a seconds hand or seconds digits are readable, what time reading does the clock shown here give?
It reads 12:23:14
